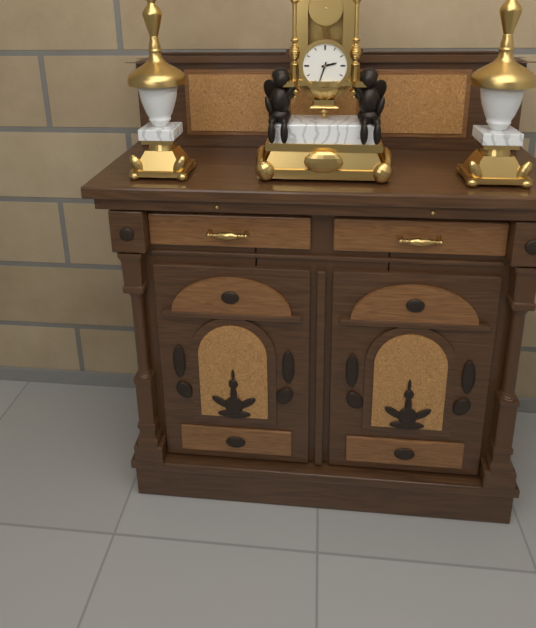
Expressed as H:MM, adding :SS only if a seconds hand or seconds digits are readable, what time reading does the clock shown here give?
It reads 2:33
